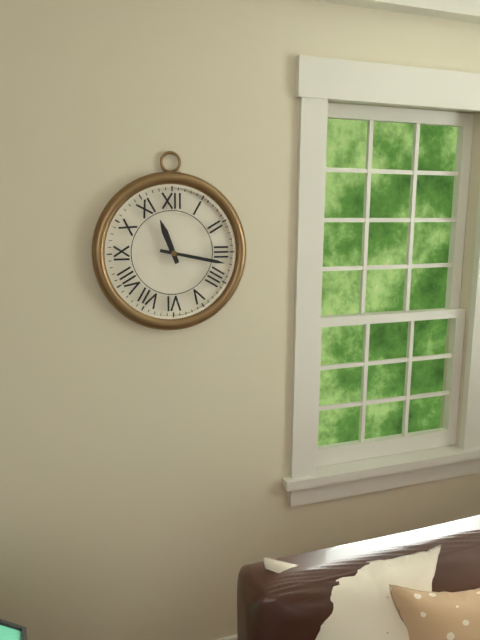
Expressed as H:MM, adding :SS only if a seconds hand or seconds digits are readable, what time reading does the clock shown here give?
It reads 11:17
